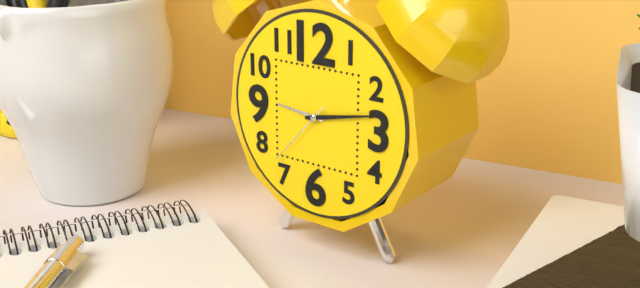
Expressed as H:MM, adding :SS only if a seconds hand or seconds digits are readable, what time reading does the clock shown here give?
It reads 9:13:37
